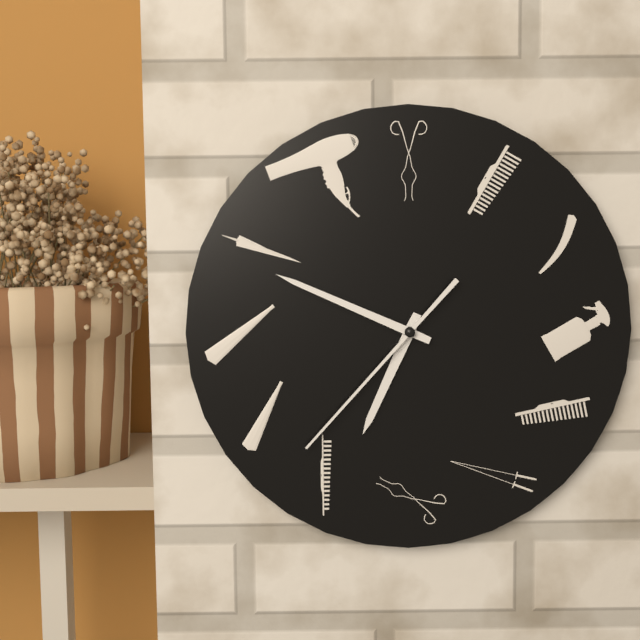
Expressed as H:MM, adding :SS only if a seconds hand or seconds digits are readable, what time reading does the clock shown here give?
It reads 6:49:37
